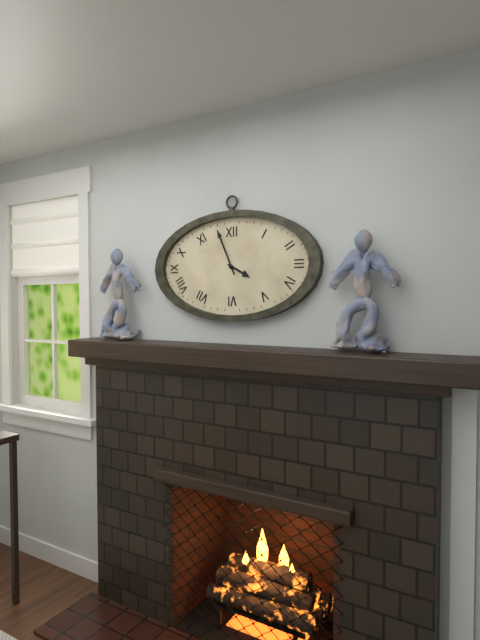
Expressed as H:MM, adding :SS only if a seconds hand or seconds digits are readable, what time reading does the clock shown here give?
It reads 3:56
